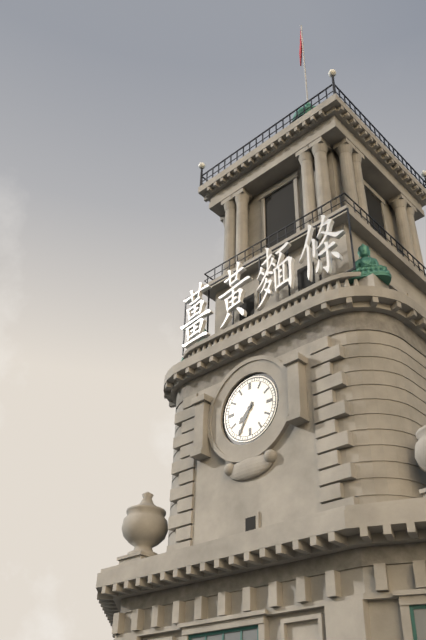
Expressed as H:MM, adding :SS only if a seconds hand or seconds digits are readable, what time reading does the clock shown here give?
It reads 7:35
